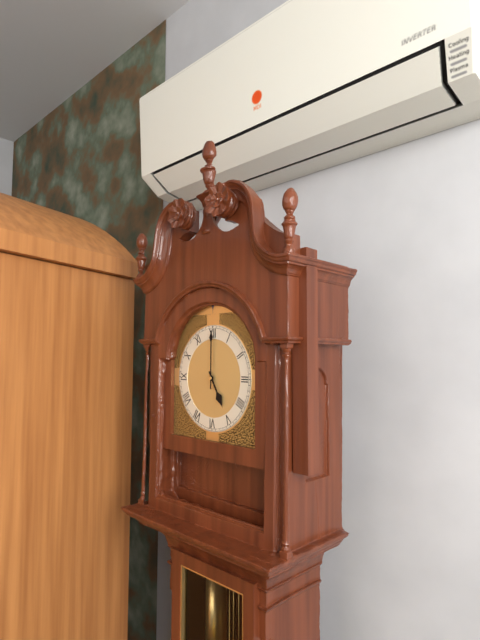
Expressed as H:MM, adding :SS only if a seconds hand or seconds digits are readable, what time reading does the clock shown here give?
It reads 5:00
